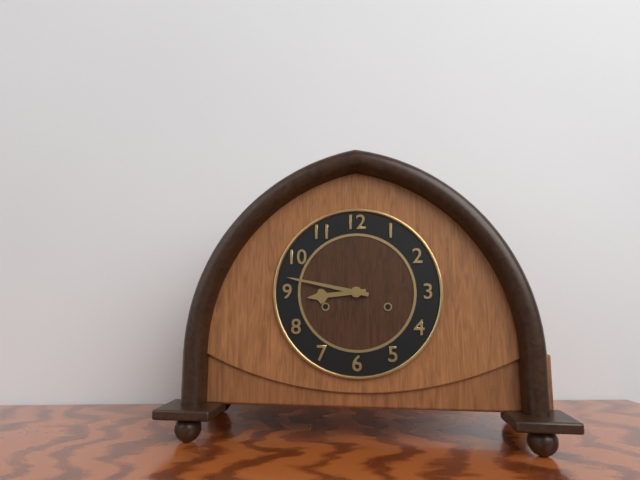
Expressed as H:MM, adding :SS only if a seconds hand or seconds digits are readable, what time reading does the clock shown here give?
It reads 8:47
